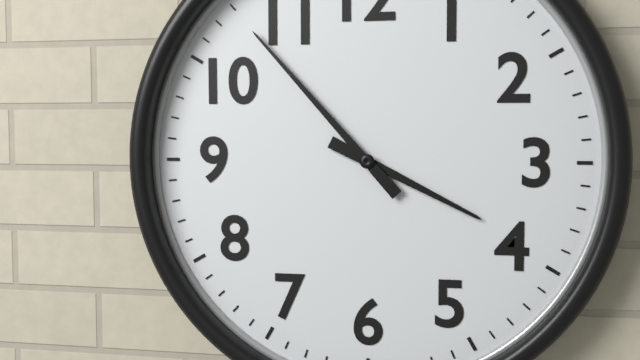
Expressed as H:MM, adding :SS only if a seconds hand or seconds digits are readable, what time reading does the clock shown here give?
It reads 3:53
